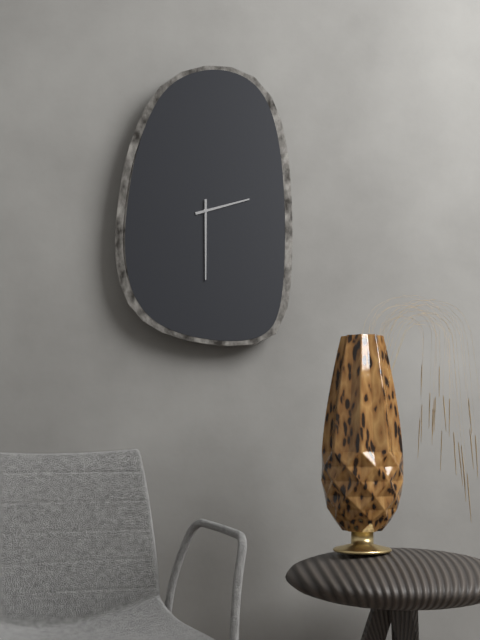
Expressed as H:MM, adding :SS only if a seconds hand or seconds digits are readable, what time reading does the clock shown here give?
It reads 2:30
